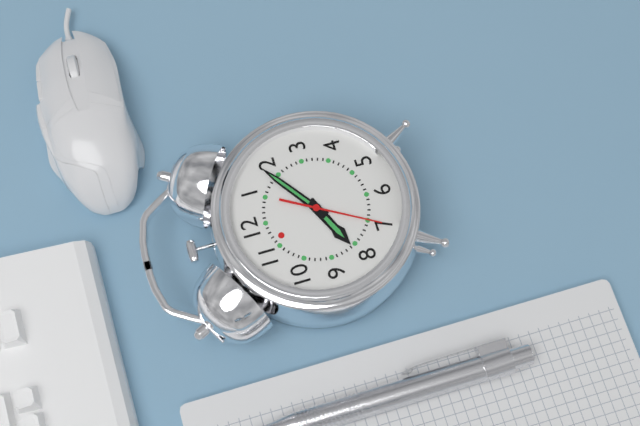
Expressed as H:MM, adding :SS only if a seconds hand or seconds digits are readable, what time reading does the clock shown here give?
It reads 8:09:35
